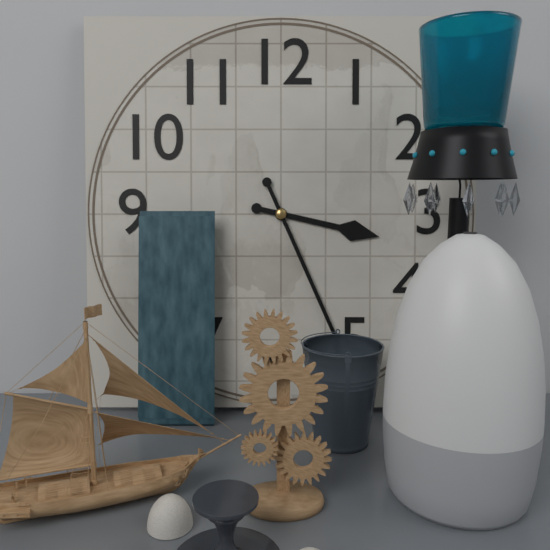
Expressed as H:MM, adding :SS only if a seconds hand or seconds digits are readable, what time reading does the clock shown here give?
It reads 3:26
